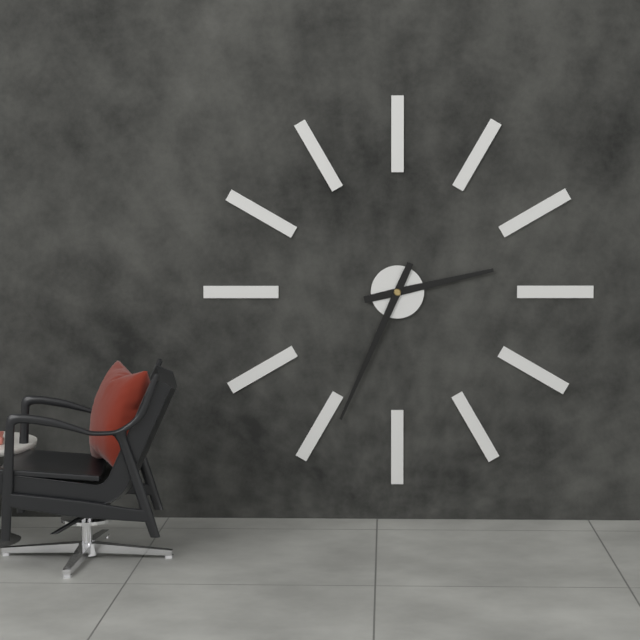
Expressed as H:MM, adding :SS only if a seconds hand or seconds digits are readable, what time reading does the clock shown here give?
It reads 2:34
